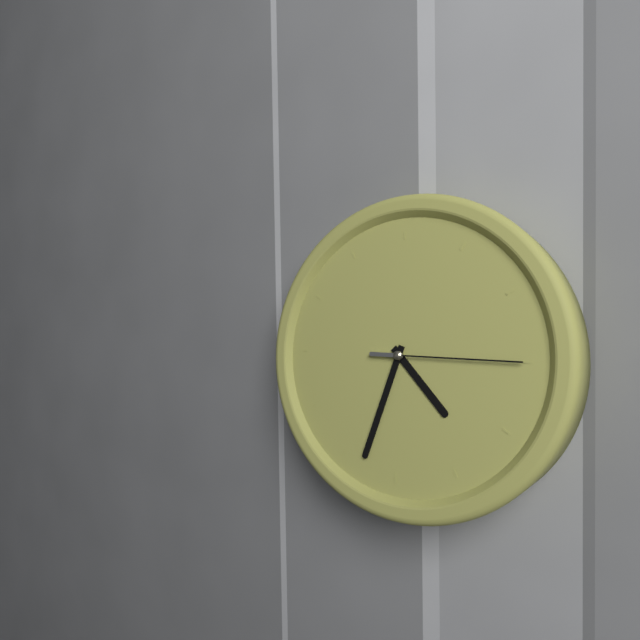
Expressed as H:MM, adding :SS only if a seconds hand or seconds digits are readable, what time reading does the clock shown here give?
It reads 4:33:15
